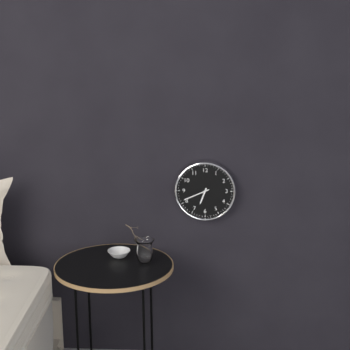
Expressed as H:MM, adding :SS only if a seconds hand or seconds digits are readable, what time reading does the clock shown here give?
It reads 6:41
